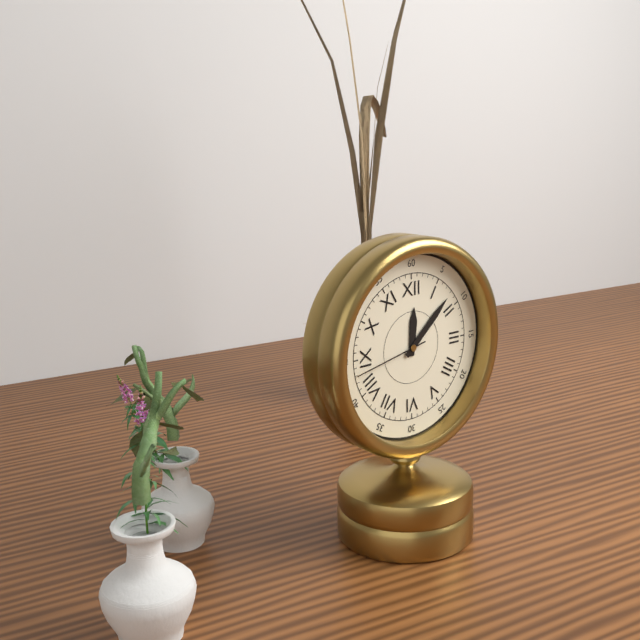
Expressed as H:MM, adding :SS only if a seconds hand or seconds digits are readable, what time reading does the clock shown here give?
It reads 12:08:43
